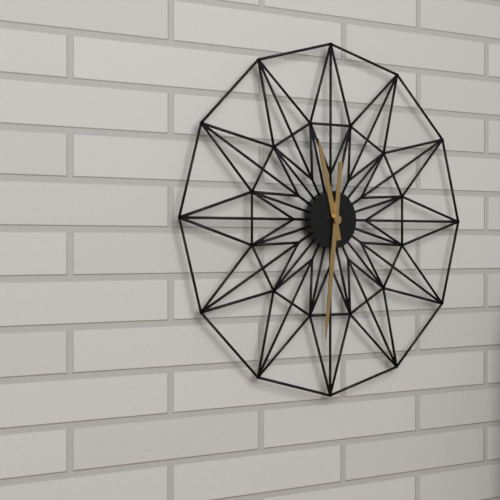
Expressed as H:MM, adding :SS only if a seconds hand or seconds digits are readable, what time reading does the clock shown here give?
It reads 11:31
